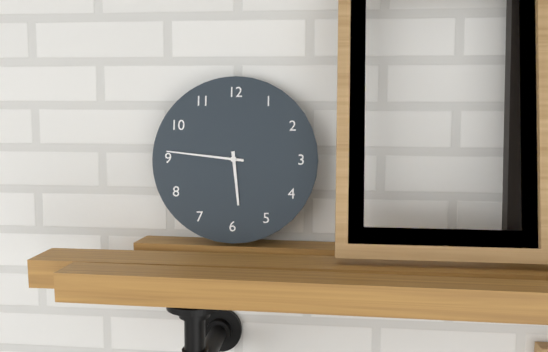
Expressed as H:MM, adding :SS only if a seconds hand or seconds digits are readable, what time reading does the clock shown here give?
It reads 5:46
